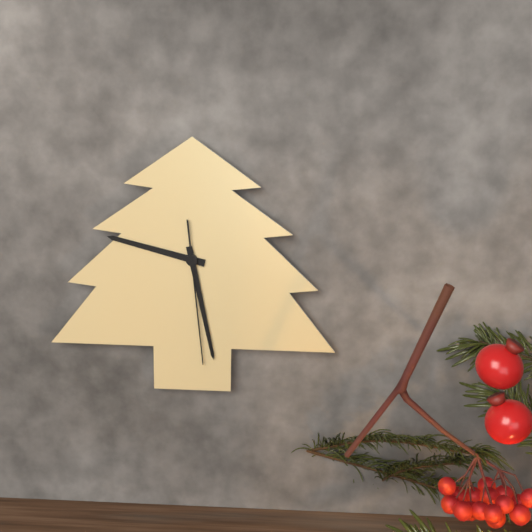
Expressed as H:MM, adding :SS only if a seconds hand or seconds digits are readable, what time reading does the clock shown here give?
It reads 9:28:29
